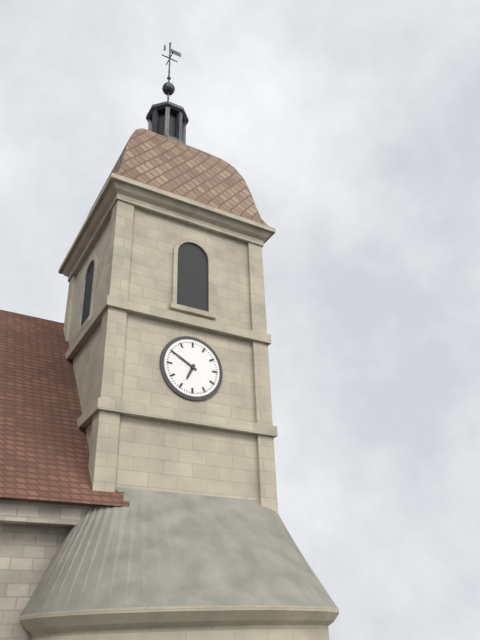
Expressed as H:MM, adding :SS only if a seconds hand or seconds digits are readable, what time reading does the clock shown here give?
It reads 6:50
